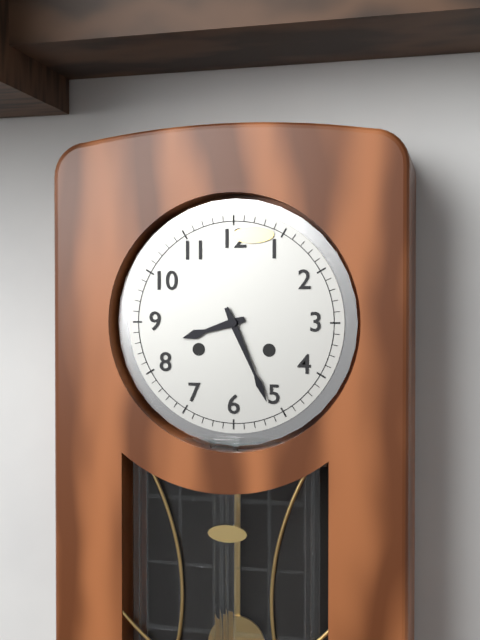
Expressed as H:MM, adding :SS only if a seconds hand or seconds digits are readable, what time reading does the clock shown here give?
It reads 8:26
